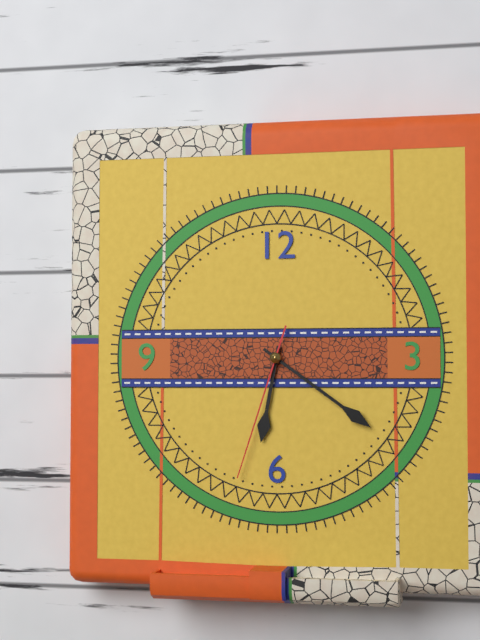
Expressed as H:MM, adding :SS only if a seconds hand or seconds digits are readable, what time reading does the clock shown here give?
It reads 6:21:33
